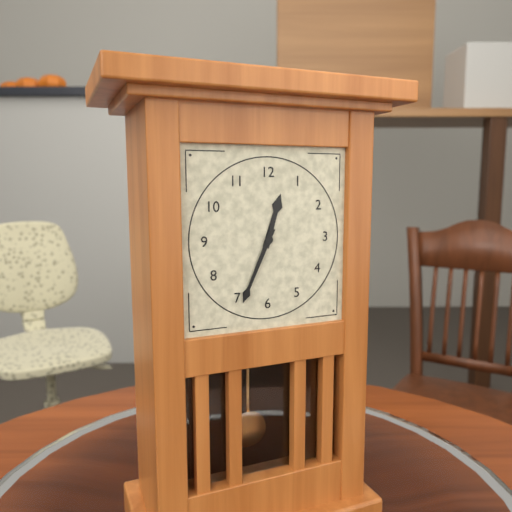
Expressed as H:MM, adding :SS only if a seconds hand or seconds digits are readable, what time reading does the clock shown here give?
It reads 12:34
